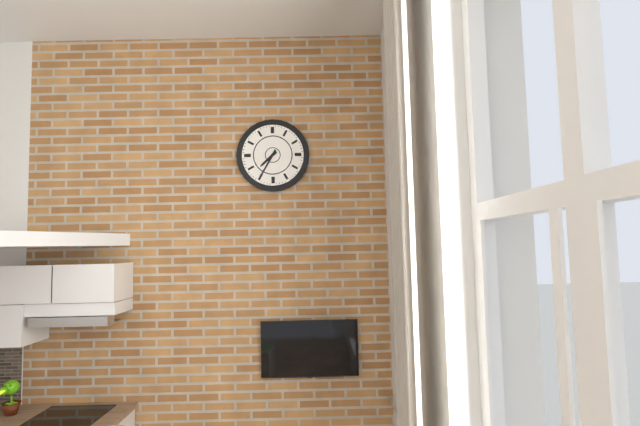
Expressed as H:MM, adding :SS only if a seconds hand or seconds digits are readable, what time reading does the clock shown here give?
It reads 7:35
